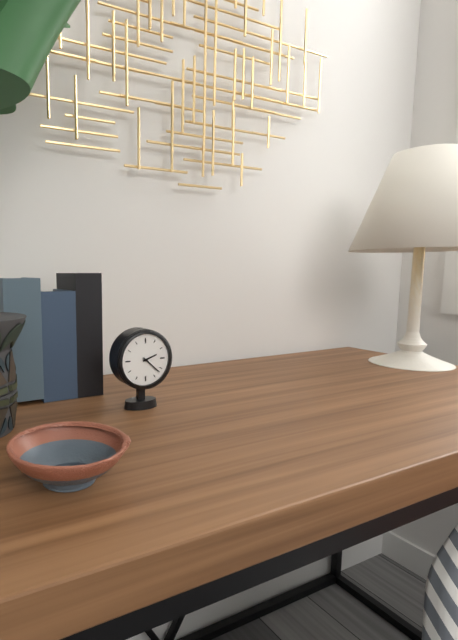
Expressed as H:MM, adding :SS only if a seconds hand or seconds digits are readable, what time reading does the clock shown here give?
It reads 2:22
